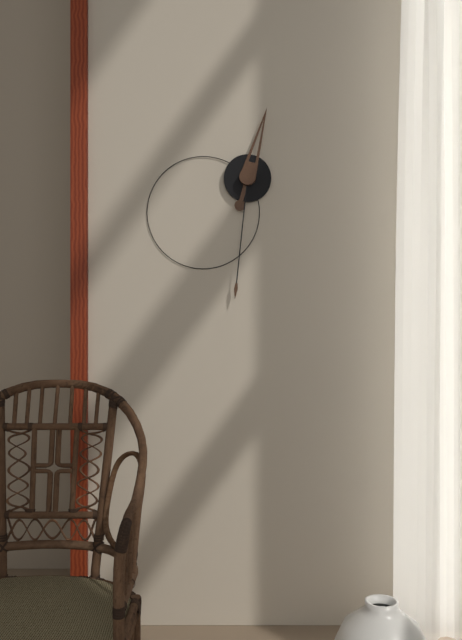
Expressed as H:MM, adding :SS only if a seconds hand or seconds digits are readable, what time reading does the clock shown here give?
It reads 12:31
